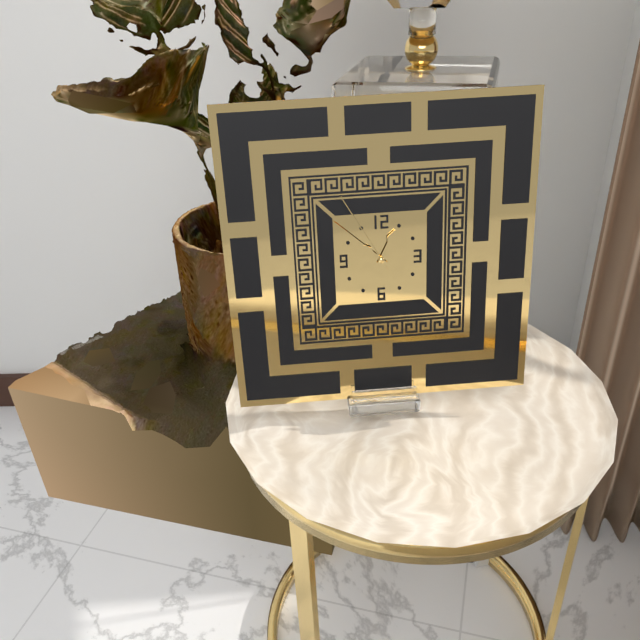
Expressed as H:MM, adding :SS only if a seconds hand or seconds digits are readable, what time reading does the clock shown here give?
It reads 12:52:55
